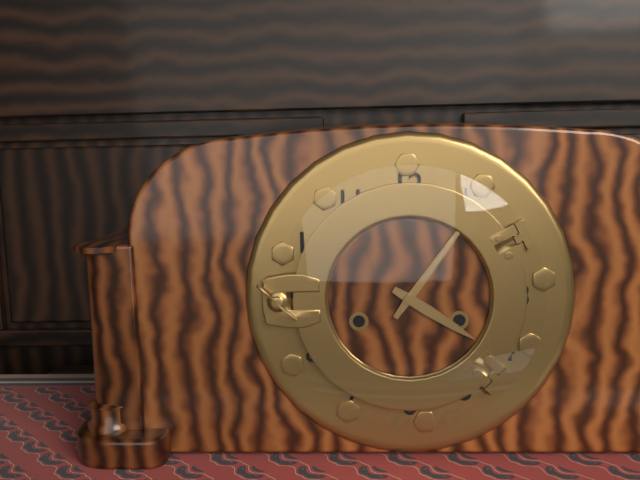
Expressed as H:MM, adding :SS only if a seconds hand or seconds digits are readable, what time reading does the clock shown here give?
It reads 4:06
